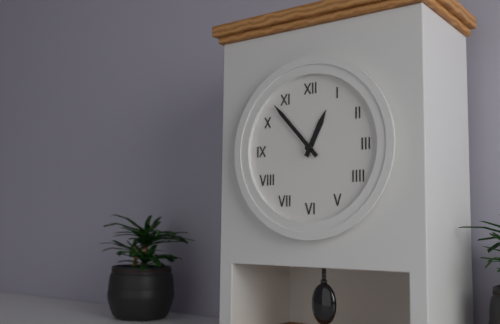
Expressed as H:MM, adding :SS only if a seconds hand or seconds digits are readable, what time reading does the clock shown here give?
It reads 12:53
